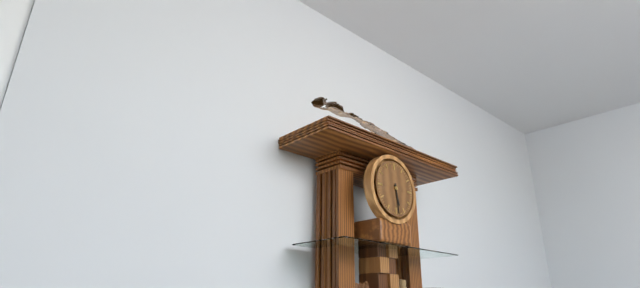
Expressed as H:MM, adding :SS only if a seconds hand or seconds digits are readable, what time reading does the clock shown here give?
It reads 5:29
